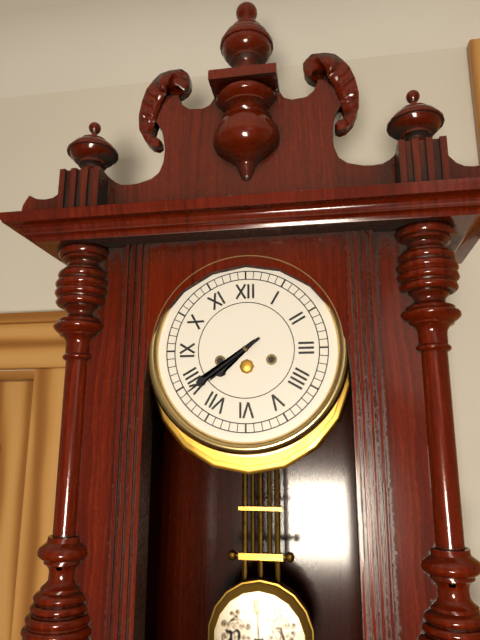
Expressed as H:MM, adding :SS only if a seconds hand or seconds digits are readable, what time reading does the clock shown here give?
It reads 7:39
